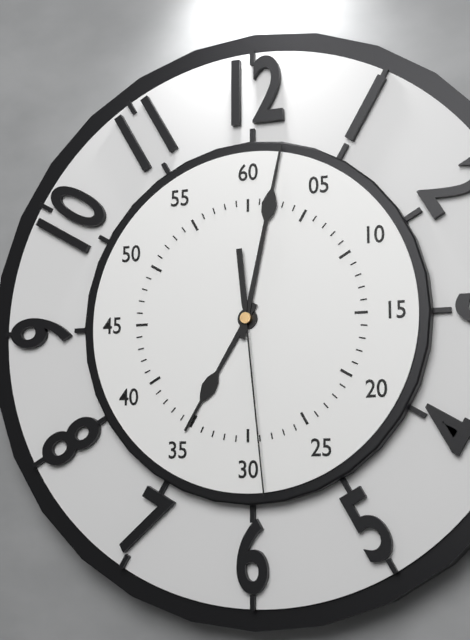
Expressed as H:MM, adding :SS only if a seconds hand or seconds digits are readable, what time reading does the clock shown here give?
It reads 7:02:29
